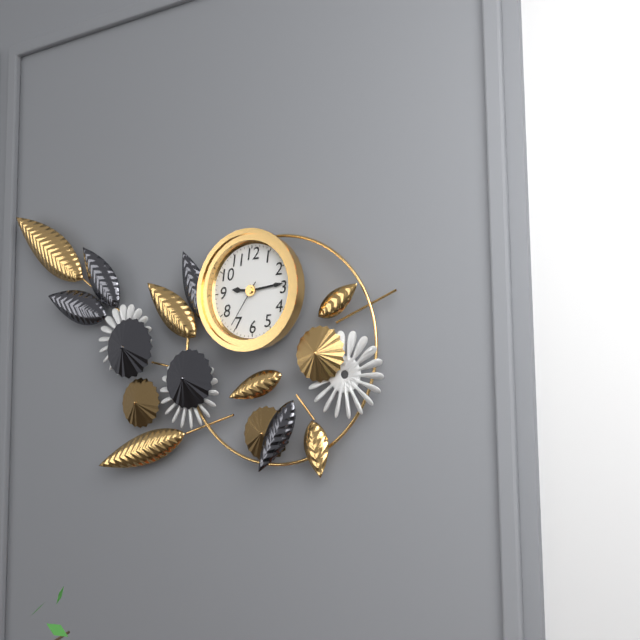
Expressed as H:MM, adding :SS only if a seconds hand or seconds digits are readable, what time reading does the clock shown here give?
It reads 9:14
